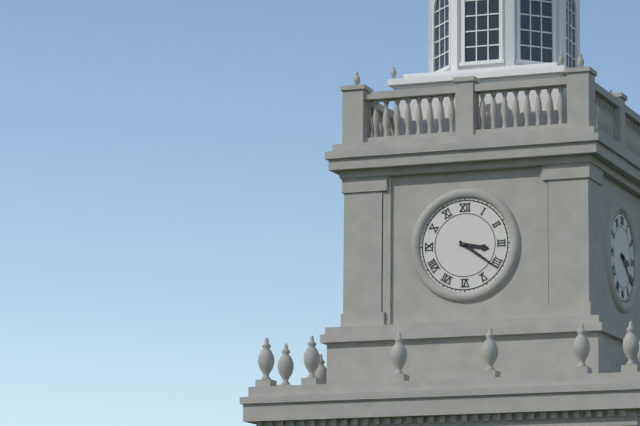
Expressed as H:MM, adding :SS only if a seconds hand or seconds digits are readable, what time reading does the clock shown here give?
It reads 3:21
